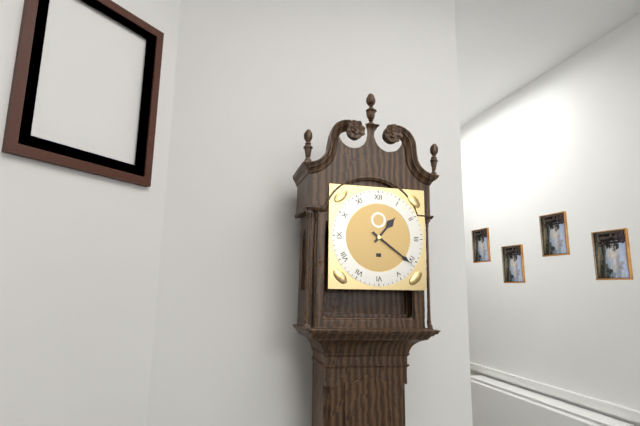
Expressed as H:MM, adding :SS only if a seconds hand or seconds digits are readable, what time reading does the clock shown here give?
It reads 1:21
